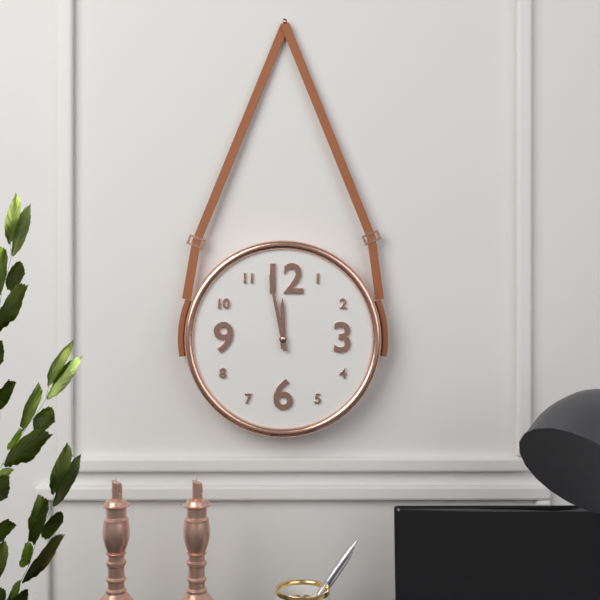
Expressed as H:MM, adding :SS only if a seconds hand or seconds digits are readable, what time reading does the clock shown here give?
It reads 11:58
